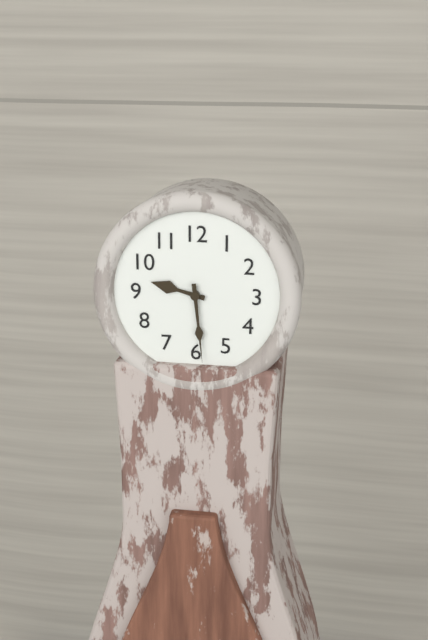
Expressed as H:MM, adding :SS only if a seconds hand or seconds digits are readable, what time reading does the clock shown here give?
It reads 9:29
